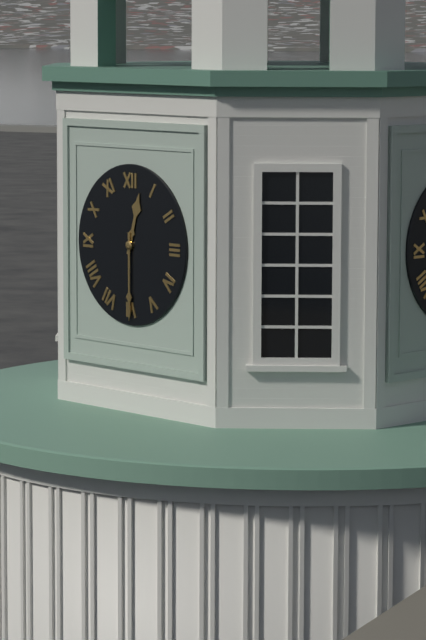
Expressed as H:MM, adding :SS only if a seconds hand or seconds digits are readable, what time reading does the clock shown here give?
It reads 12:30
